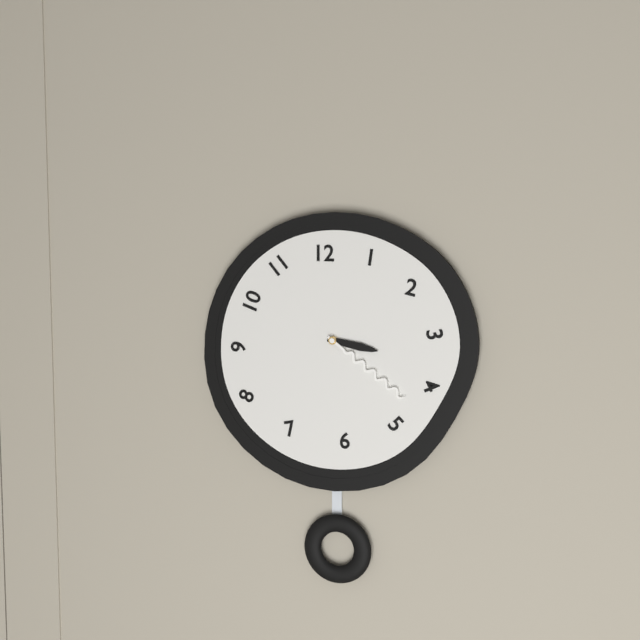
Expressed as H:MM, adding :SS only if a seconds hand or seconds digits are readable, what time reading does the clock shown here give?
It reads 3:21
